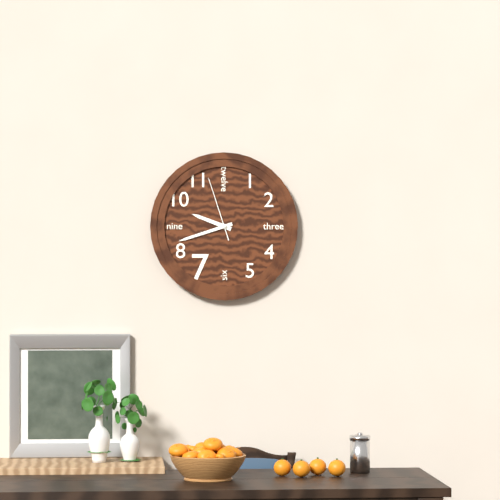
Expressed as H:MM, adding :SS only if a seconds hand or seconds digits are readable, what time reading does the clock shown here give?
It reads 9:42:57
